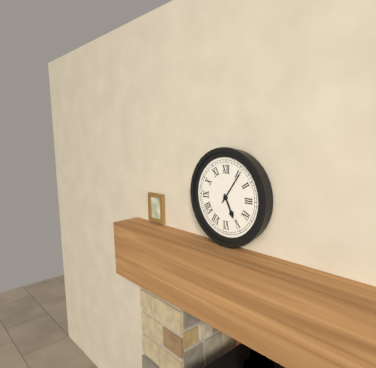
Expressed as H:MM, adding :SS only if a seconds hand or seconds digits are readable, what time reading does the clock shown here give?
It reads 5:06
